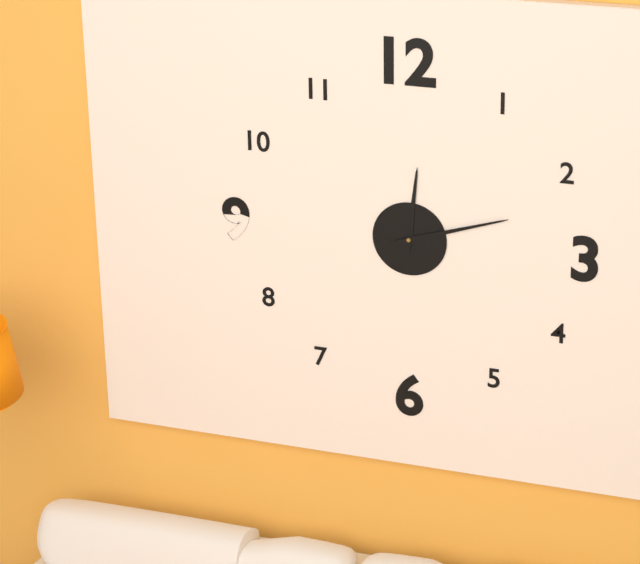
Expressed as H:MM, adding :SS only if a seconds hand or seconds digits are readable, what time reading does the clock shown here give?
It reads 12:12
